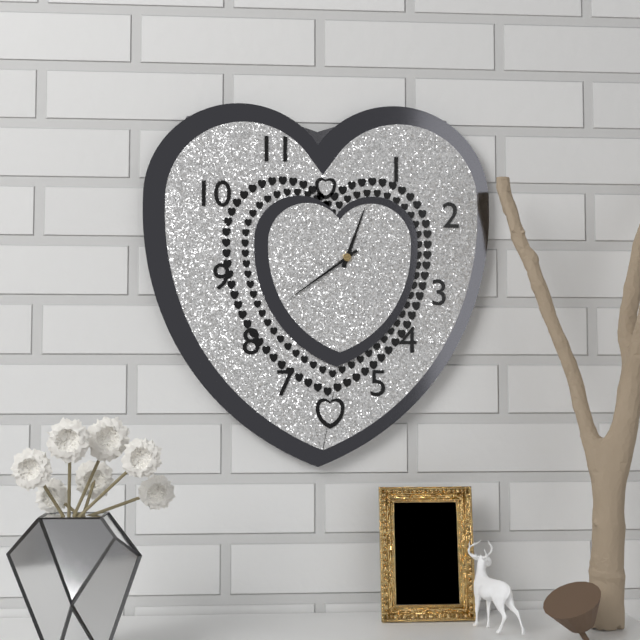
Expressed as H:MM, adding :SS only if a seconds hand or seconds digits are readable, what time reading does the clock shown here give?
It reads 12:39
